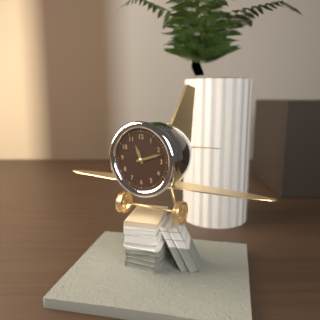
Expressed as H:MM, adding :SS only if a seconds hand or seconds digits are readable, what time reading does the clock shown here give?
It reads 11:12
